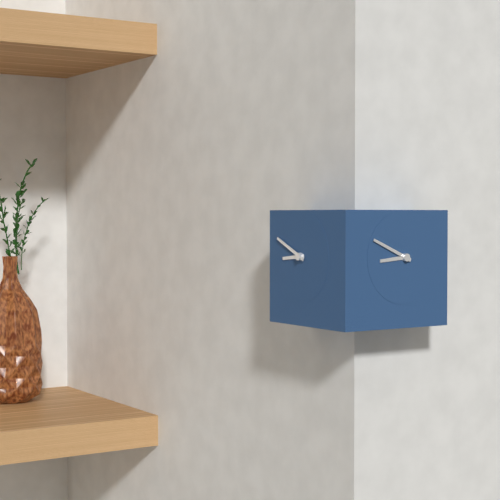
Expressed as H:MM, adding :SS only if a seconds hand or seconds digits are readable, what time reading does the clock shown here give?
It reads 8:49
